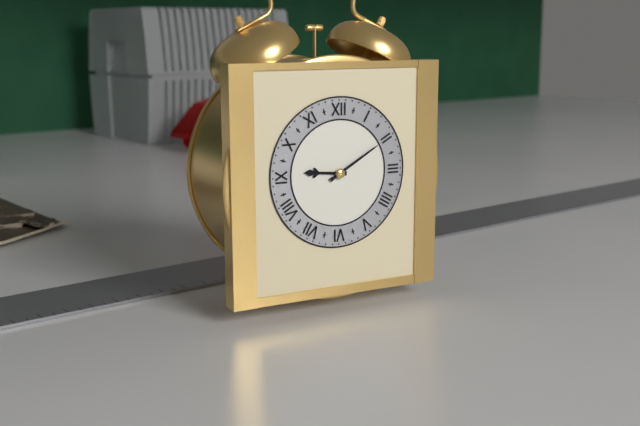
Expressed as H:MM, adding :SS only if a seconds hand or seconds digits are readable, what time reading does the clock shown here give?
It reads 9:10
